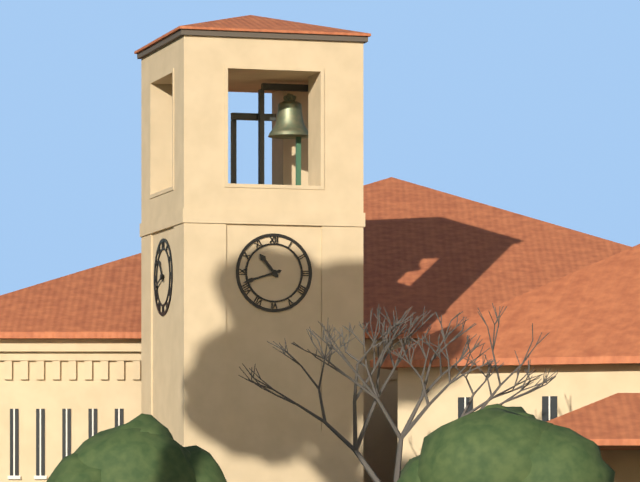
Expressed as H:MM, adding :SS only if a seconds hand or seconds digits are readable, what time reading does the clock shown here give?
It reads 10:42
